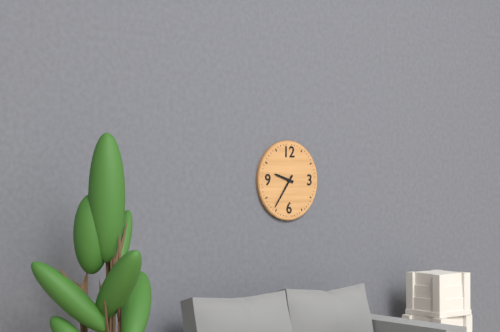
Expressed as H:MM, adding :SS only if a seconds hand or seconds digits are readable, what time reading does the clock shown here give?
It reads 9:36
